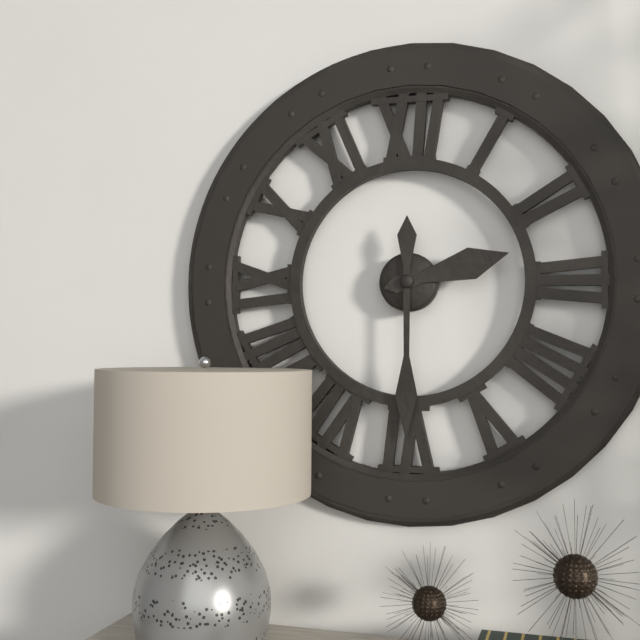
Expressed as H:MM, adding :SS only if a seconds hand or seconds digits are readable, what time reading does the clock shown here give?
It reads 2:30
